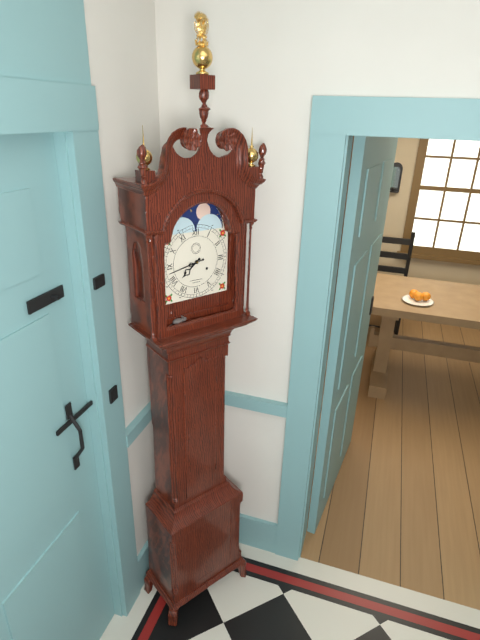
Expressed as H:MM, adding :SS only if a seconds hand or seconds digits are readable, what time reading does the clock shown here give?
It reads 7:43
